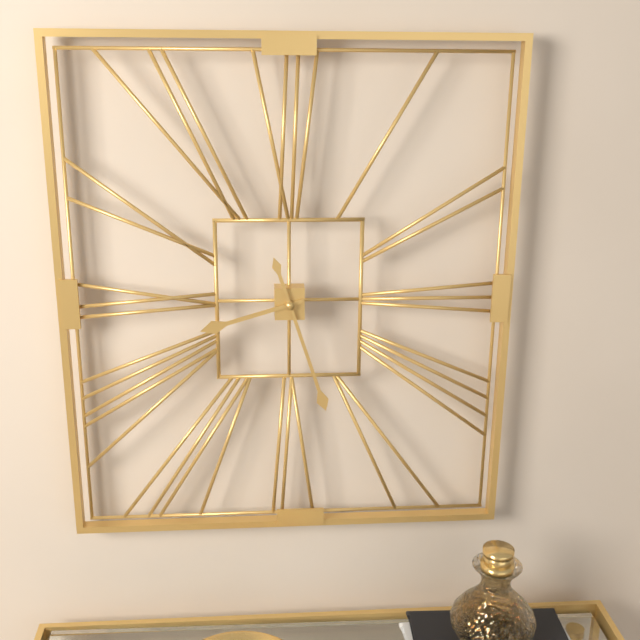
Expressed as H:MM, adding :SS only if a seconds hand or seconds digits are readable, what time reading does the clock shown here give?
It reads 8:27
